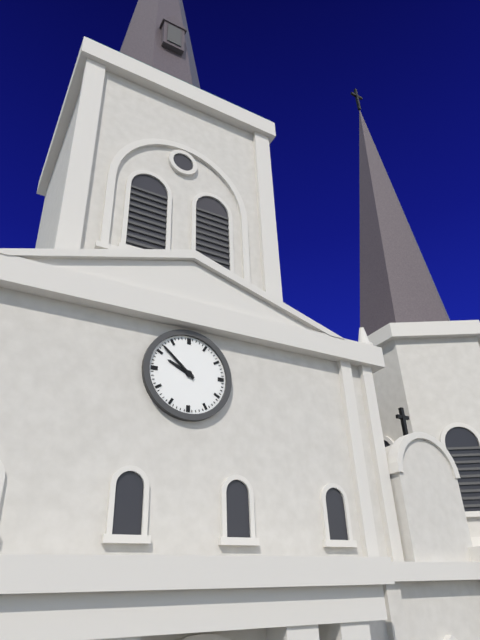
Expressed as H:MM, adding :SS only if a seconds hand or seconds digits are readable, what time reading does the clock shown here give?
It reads 9:52
